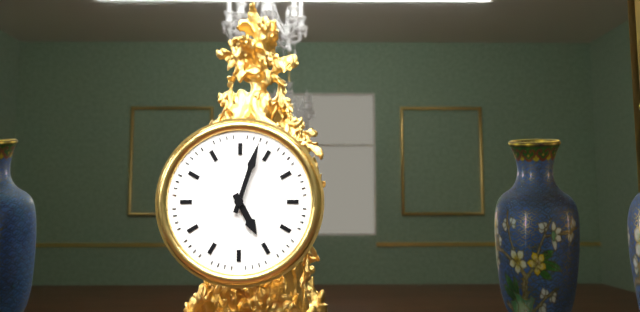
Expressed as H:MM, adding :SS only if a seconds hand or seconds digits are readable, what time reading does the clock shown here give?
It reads 5:03
